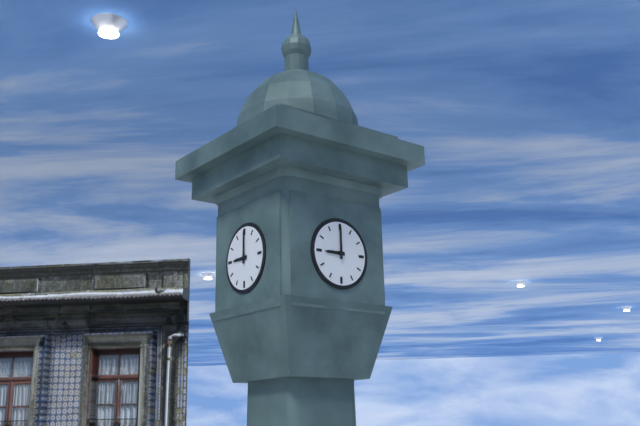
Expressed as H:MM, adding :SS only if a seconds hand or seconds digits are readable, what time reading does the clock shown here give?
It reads 9:00
